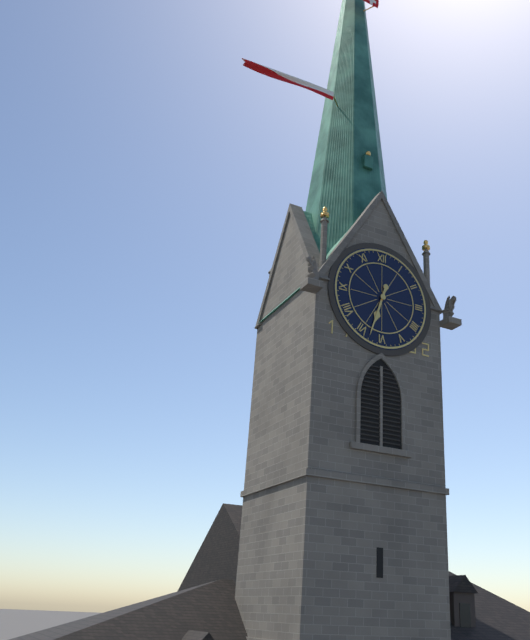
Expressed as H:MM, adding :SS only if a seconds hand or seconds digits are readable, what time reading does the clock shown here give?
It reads 6:33
